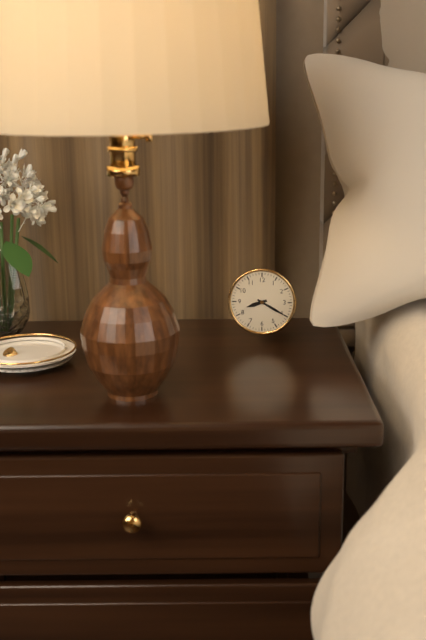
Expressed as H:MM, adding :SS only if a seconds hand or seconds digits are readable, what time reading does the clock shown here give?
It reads 8:20
